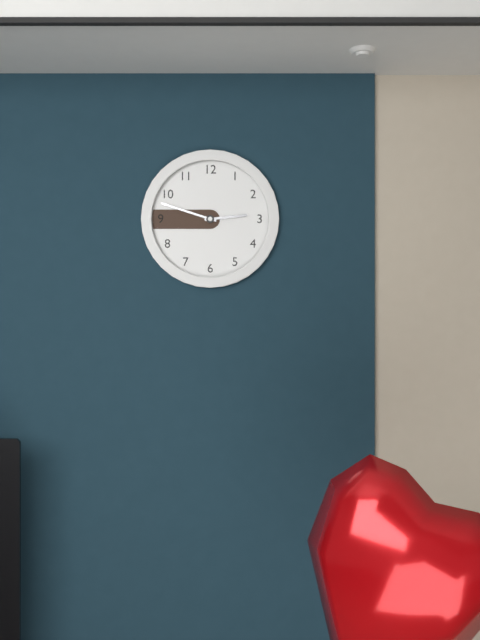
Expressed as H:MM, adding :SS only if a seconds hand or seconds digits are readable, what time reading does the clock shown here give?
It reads 2:48
